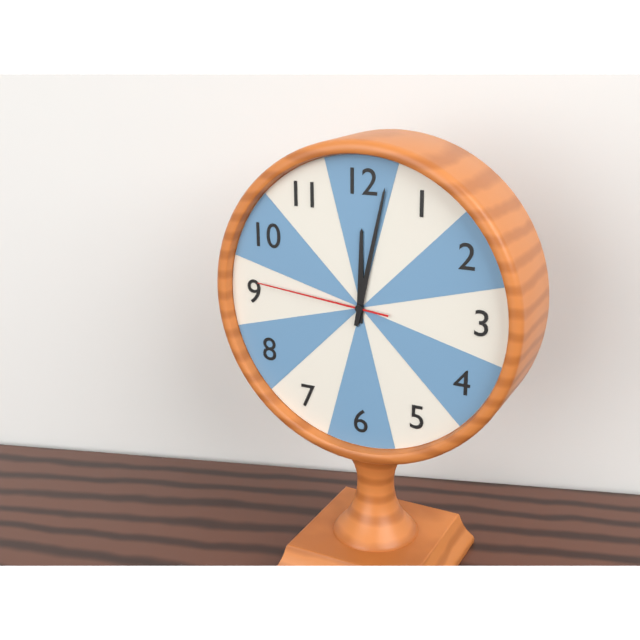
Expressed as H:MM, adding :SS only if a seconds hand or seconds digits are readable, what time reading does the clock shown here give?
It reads 12:02:46
